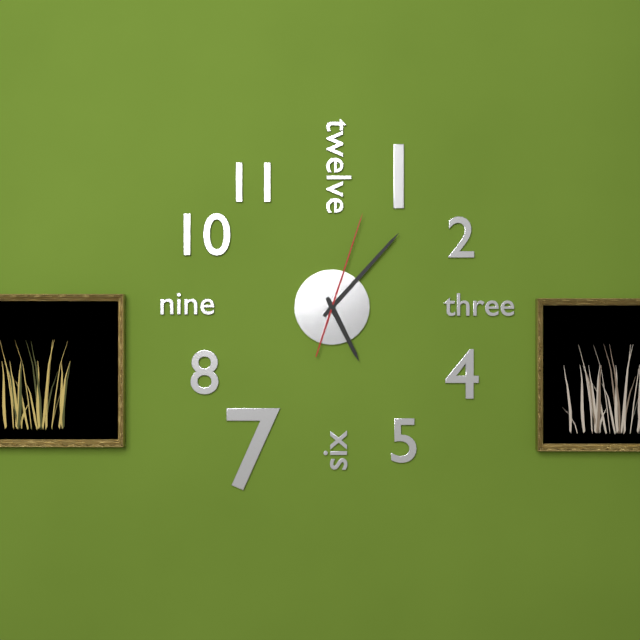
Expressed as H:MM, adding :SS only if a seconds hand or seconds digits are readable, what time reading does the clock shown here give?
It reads 5:07:03
